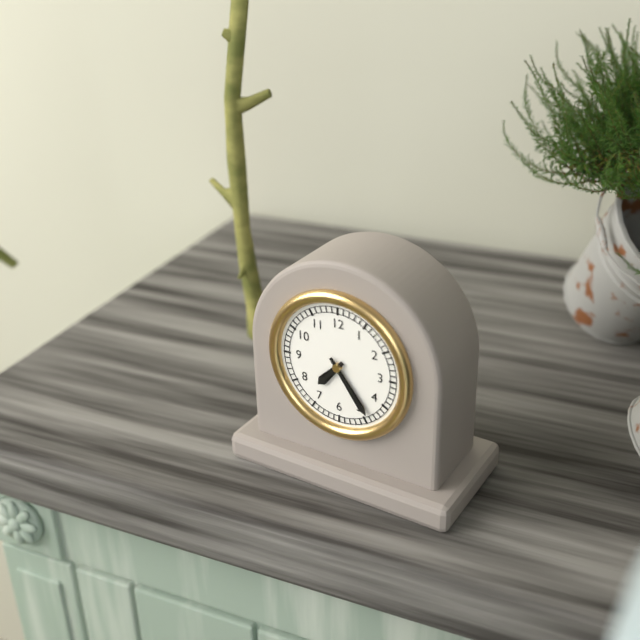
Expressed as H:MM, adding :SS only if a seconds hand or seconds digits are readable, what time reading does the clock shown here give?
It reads 7:24
